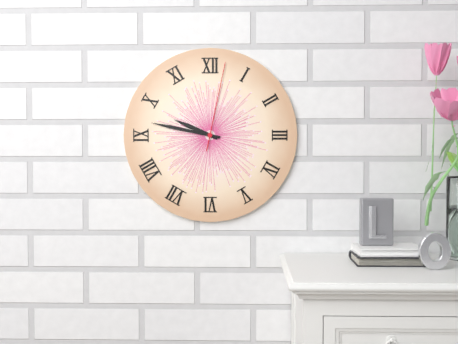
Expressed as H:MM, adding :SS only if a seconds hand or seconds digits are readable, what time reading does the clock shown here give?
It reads 9:47:02
